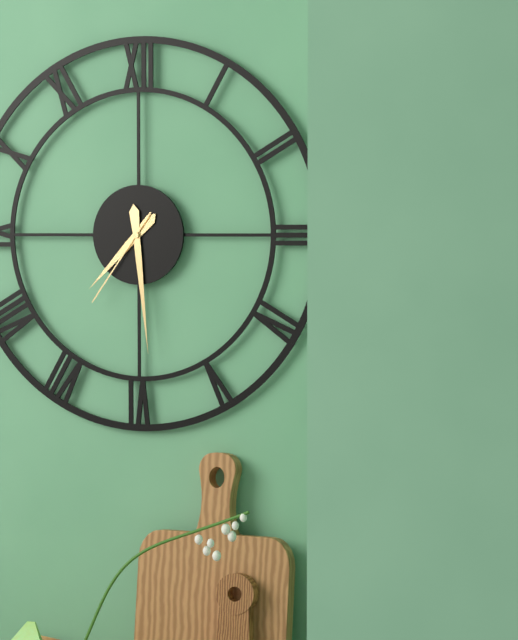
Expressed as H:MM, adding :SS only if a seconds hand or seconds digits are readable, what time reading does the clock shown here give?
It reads 7:29:36
